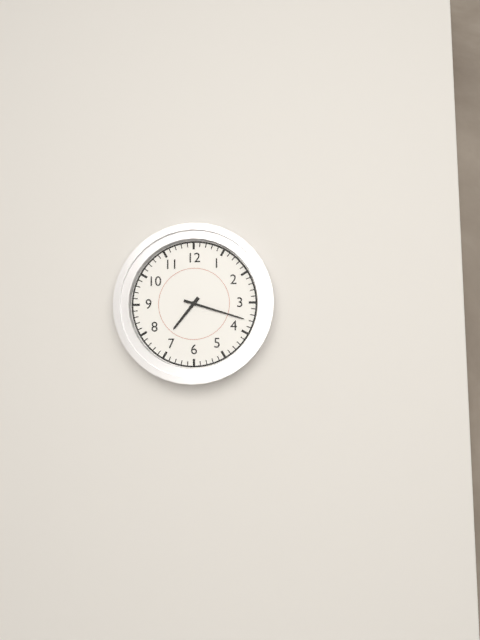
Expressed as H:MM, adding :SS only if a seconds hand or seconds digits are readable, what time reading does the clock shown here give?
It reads 7:18
